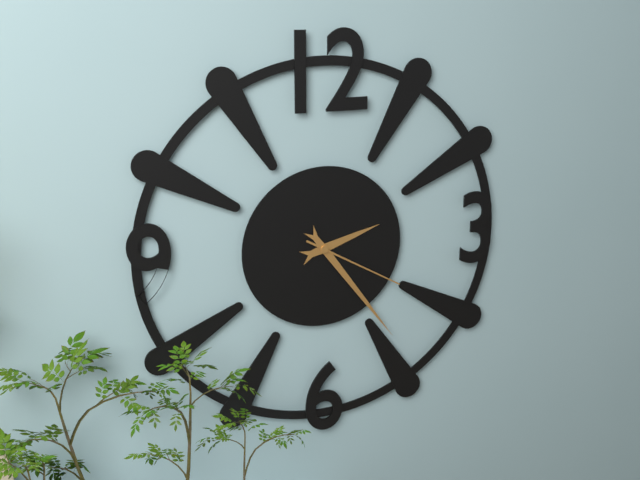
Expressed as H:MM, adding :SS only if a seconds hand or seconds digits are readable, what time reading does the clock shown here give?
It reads 2:24:20
